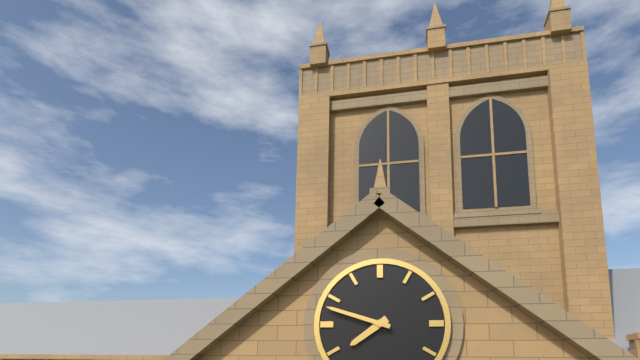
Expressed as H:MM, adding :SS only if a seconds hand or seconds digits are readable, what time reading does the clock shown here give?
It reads 7:48
